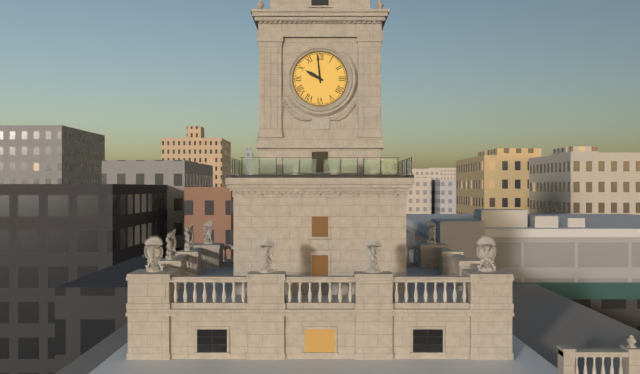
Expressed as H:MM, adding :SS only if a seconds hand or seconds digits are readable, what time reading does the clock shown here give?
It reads 9:59
